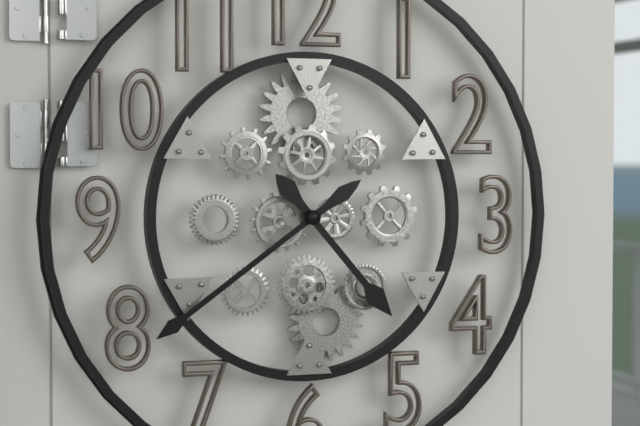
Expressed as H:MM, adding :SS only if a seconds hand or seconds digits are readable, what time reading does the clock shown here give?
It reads 4:39
